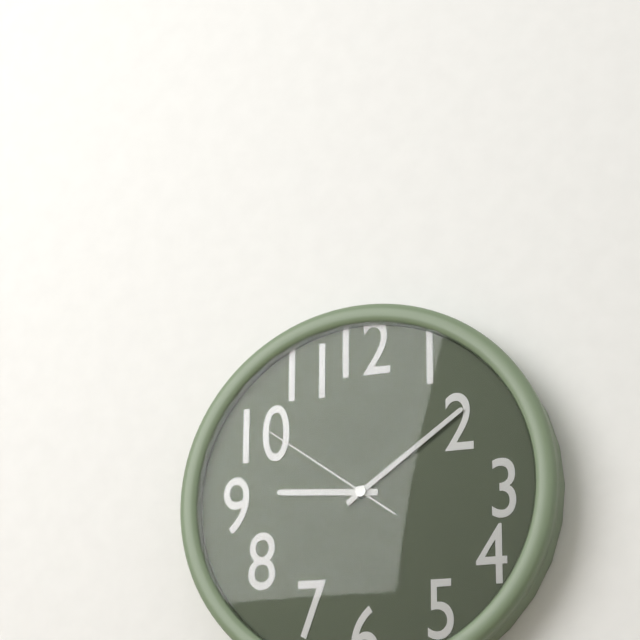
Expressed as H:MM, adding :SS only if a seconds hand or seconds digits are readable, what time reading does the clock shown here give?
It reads 9:09:51
